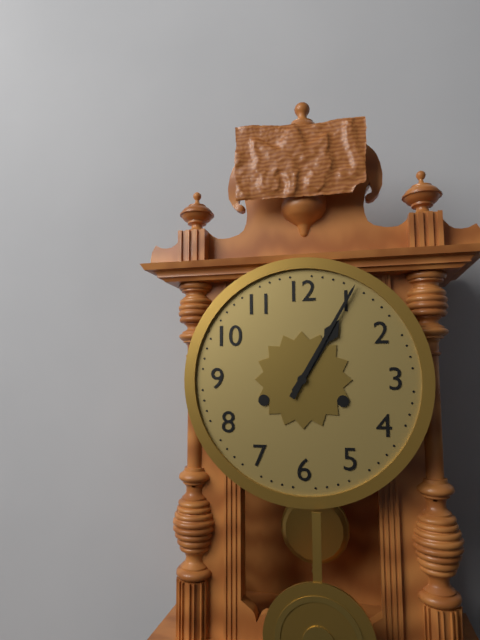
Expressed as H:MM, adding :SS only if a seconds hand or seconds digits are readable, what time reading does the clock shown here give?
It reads 1:05
